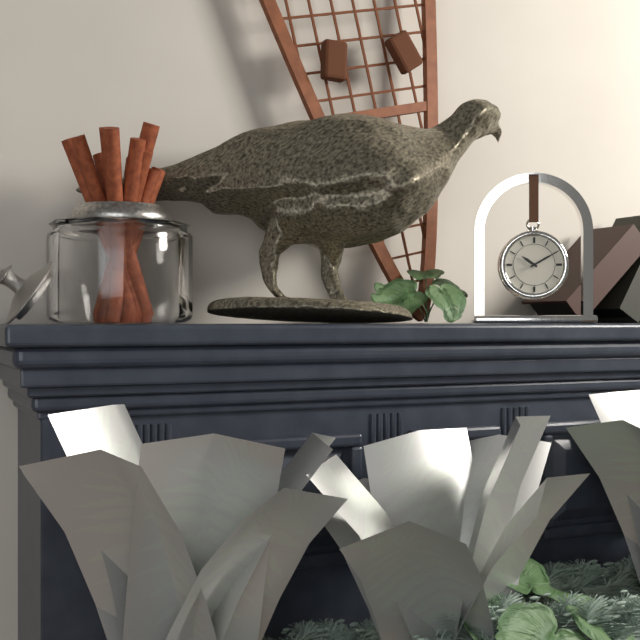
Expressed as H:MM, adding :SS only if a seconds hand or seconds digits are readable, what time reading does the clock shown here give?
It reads 10:10
